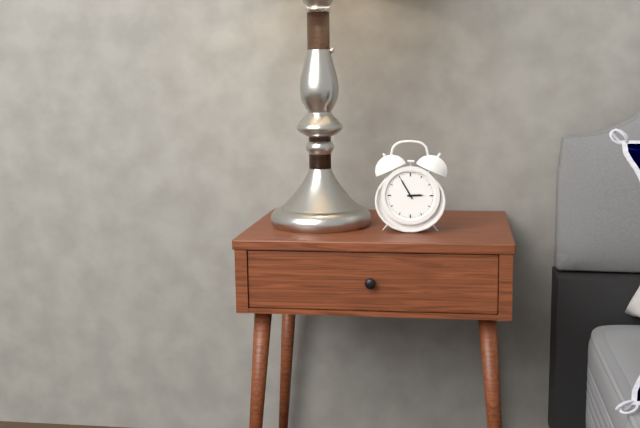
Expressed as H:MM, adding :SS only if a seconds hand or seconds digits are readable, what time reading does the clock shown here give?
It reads 2:55
